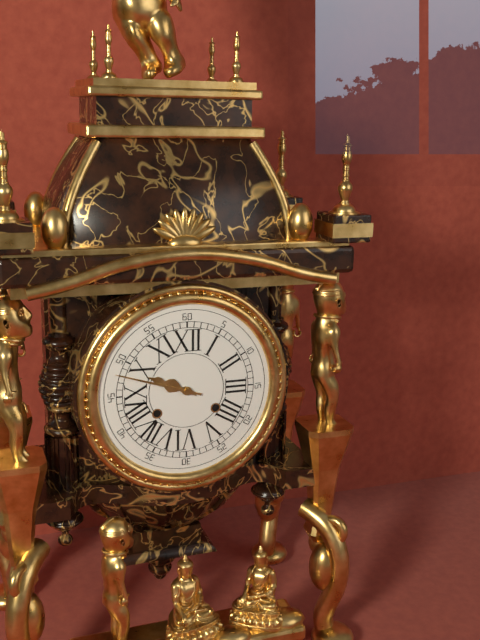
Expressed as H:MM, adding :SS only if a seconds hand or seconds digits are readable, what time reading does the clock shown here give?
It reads 9:48
